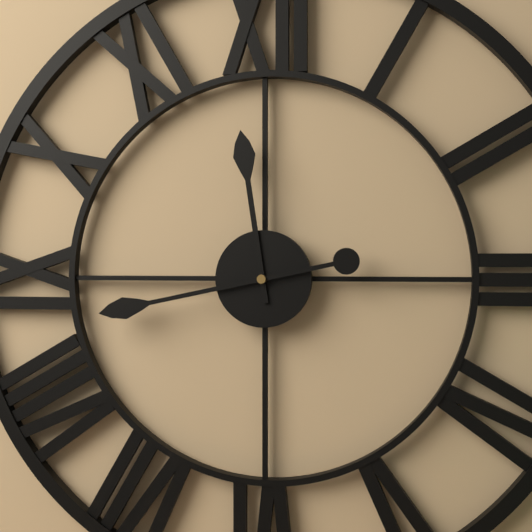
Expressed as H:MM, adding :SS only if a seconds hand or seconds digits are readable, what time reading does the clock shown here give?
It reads 11:43
